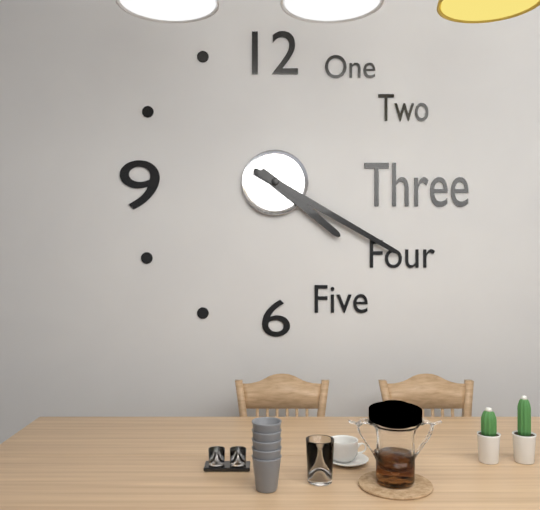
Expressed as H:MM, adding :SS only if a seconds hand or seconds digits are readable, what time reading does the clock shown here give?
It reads 4:20
